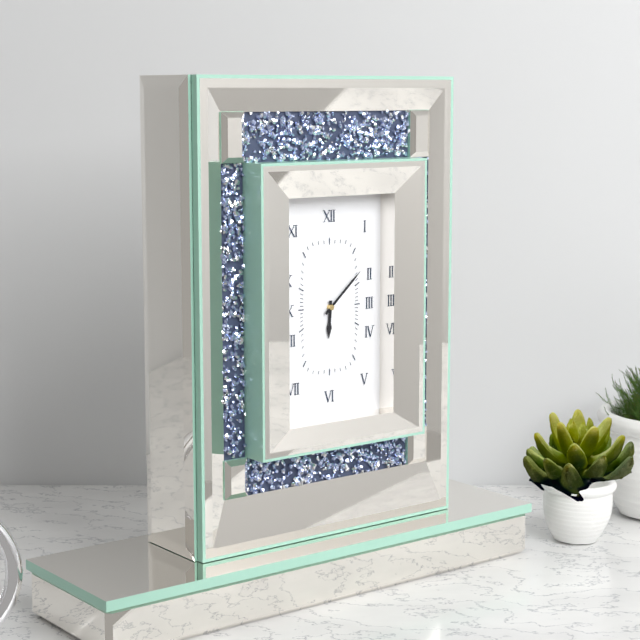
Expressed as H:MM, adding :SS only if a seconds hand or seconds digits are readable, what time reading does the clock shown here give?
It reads 6:08
